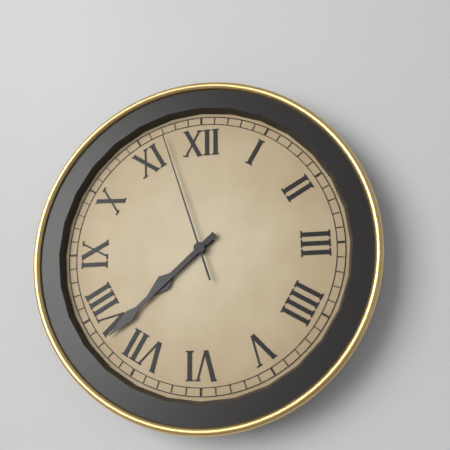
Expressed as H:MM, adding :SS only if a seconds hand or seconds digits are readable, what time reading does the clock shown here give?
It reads 7:38:57
